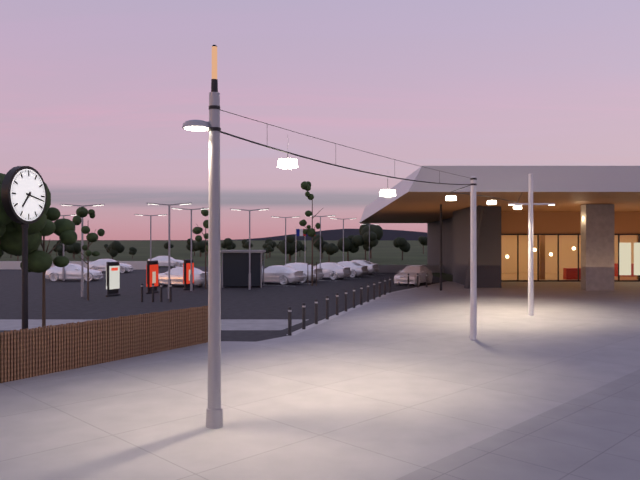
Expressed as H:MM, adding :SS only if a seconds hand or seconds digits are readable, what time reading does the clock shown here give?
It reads 7:17
